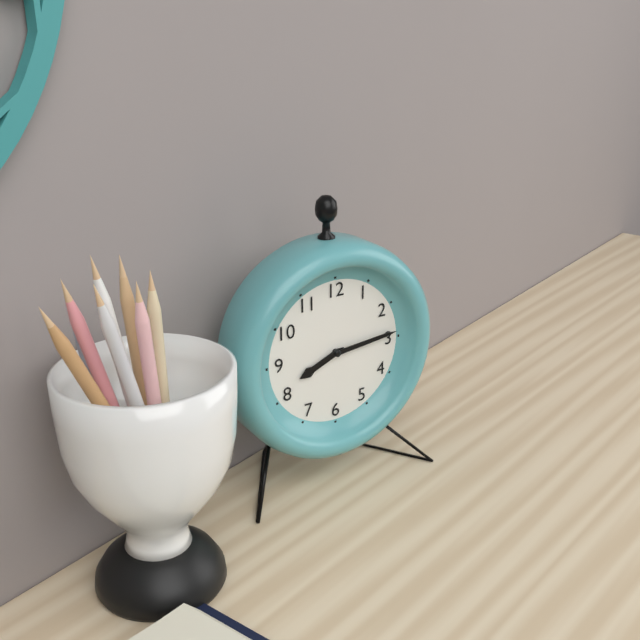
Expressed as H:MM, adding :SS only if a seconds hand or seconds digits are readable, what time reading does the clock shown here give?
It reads 8:14
